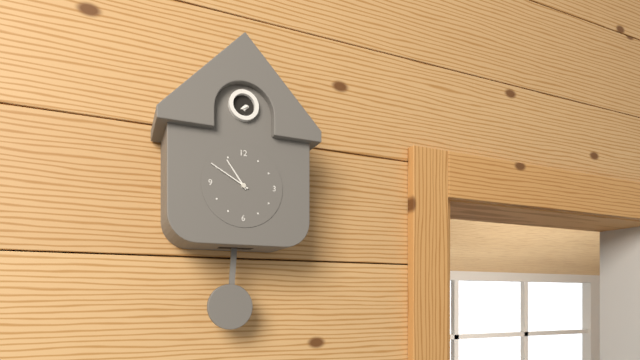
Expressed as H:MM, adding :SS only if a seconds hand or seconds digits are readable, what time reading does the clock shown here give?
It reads 10:50
